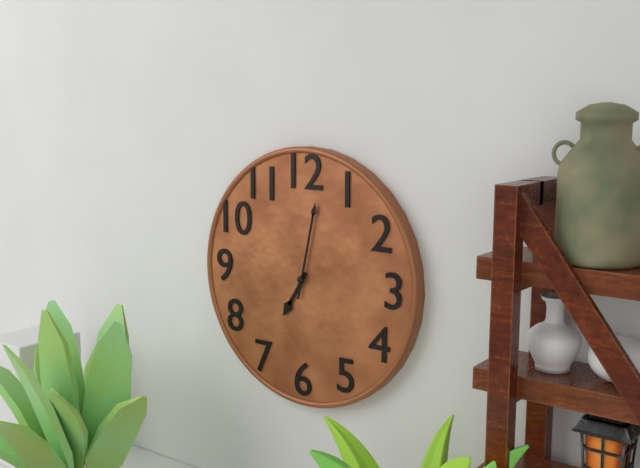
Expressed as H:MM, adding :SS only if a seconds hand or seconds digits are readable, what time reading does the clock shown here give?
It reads 7:02
